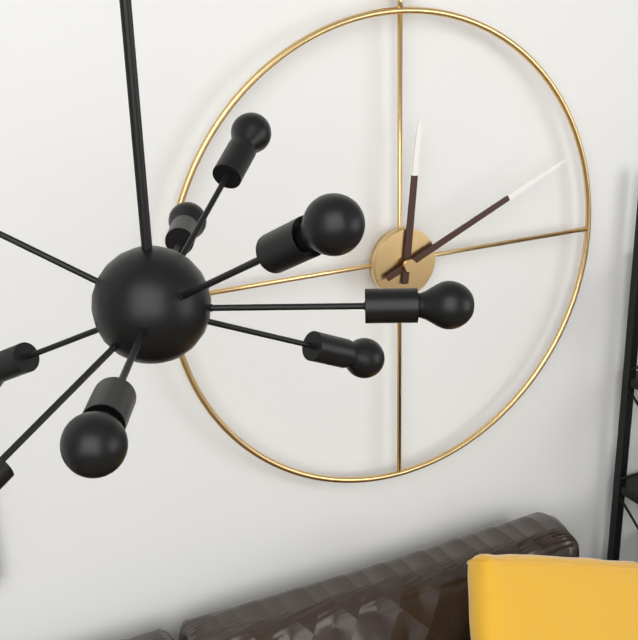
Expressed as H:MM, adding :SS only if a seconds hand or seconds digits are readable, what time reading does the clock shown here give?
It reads 12:11
